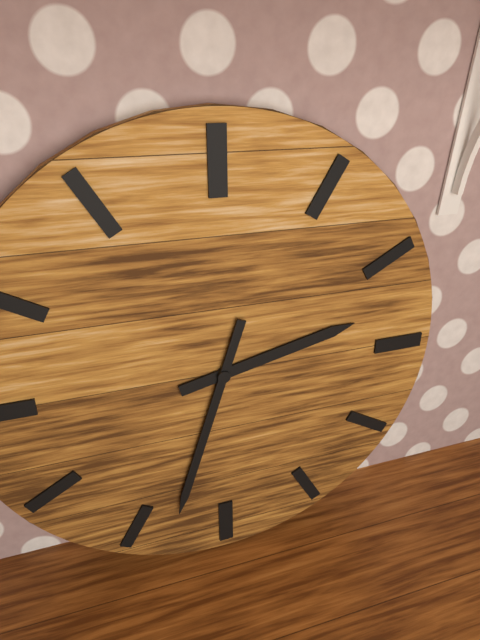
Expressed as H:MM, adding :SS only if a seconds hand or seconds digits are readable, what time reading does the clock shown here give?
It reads 2:33
